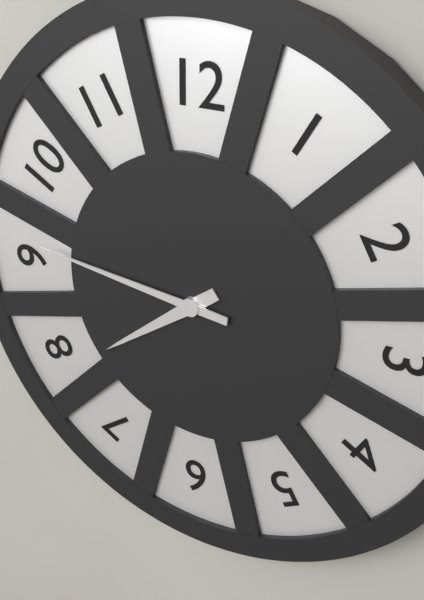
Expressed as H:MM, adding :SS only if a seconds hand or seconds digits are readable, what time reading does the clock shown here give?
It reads 7:46
